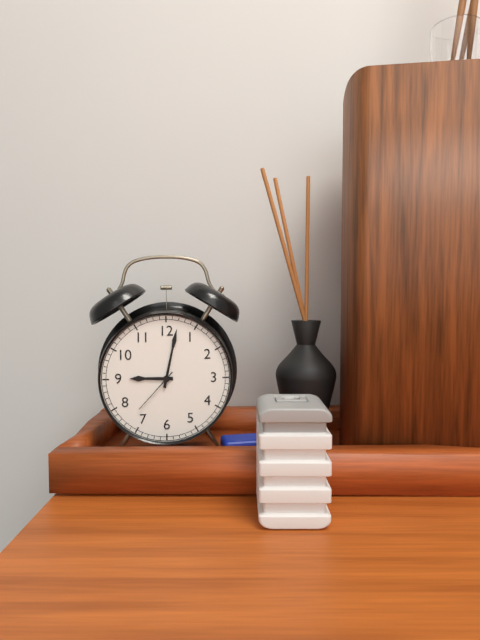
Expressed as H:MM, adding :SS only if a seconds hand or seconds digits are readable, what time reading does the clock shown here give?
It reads 9:02:37
